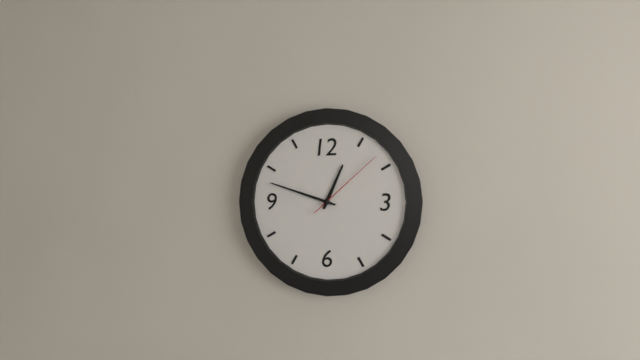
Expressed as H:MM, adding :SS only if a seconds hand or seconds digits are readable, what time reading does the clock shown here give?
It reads 12:48:08
